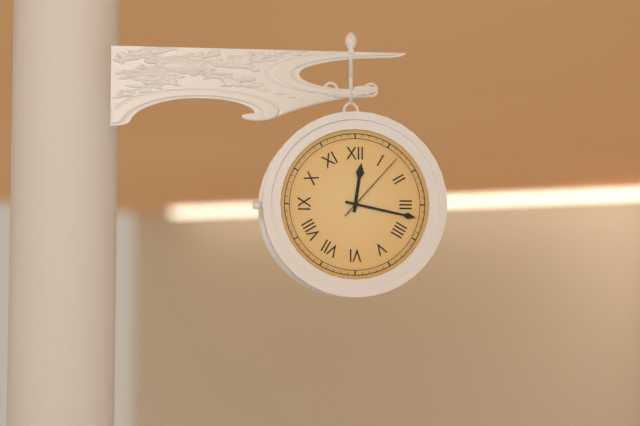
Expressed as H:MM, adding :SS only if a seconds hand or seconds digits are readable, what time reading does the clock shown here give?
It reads 12:17:07
